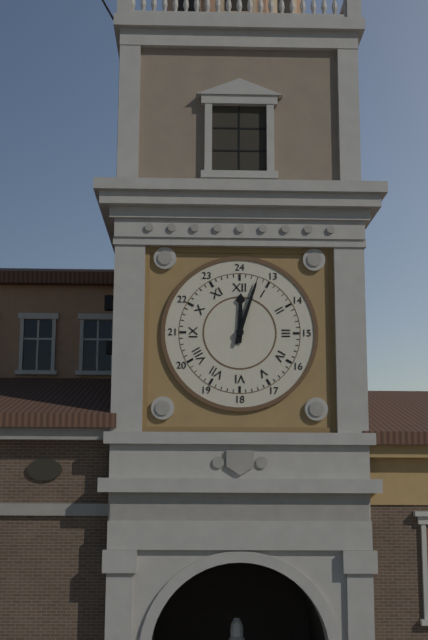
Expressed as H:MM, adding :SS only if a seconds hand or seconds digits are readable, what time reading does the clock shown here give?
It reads 12:03
